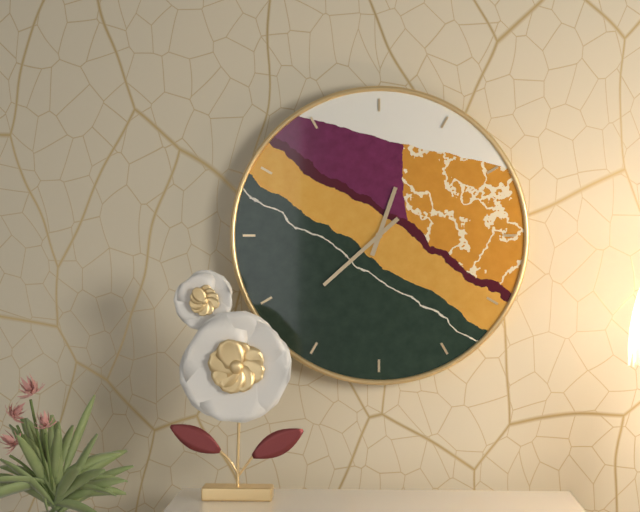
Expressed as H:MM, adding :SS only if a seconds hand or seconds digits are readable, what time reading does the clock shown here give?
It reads 12:38
